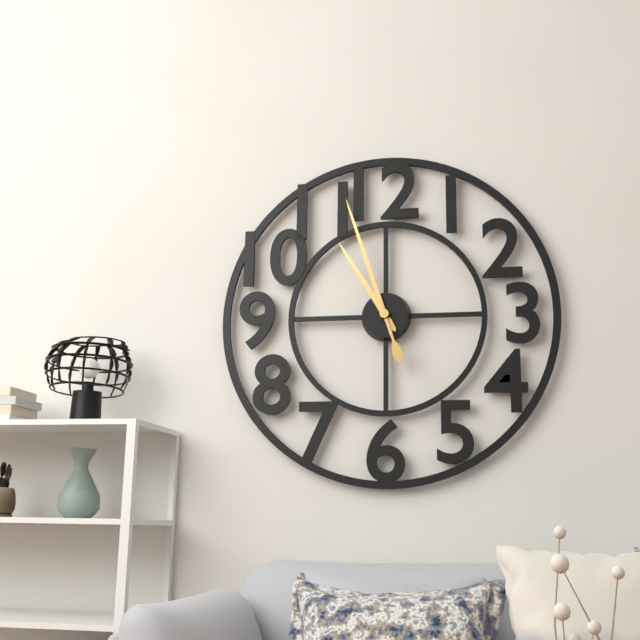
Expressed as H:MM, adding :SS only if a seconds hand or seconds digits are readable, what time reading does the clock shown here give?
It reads 10:57
